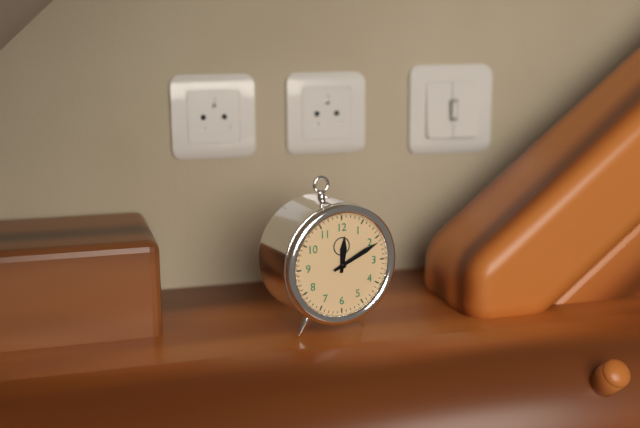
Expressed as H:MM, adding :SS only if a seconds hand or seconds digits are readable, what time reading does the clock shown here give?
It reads 12:11
